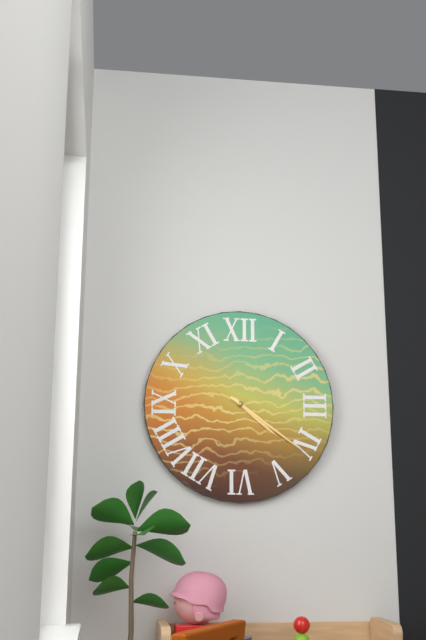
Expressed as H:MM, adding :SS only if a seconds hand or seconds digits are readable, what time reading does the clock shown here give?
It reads 4:21
